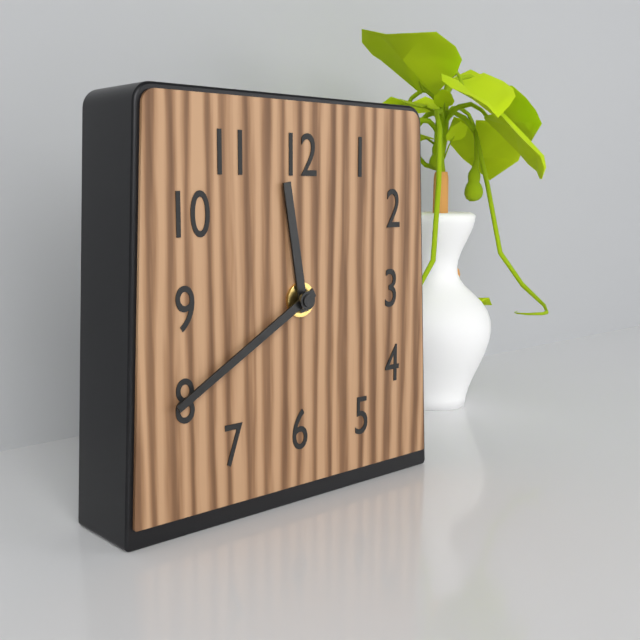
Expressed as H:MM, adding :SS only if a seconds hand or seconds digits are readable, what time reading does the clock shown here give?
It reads 11:40
